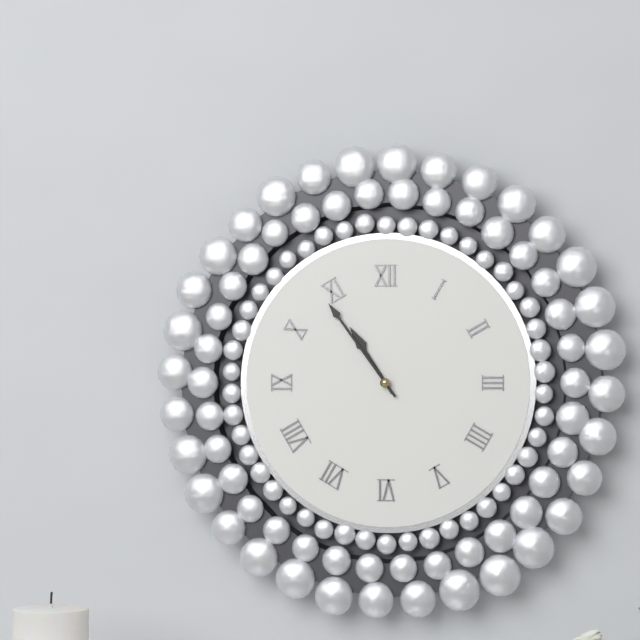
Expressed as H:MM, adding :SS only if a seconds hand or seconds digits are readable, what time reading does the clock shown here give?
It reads 10:54
